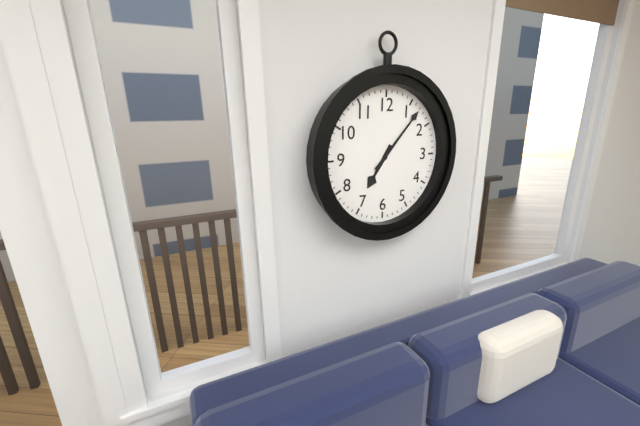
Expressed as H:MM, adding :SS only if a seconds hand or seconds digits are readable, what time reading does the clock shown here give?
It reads 7:07
